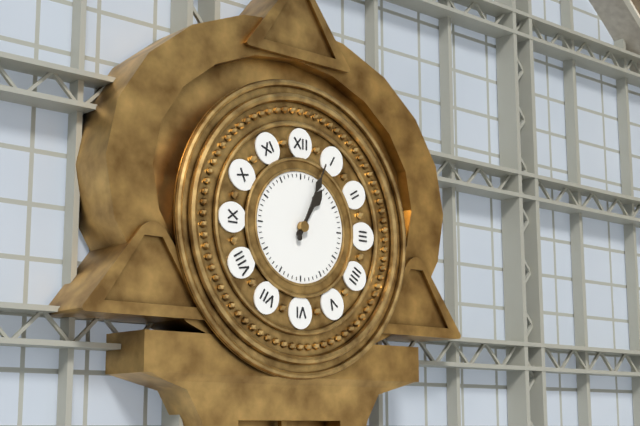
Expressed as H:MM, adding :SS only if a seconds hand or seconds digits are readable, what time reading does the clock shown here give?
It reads 1:04
